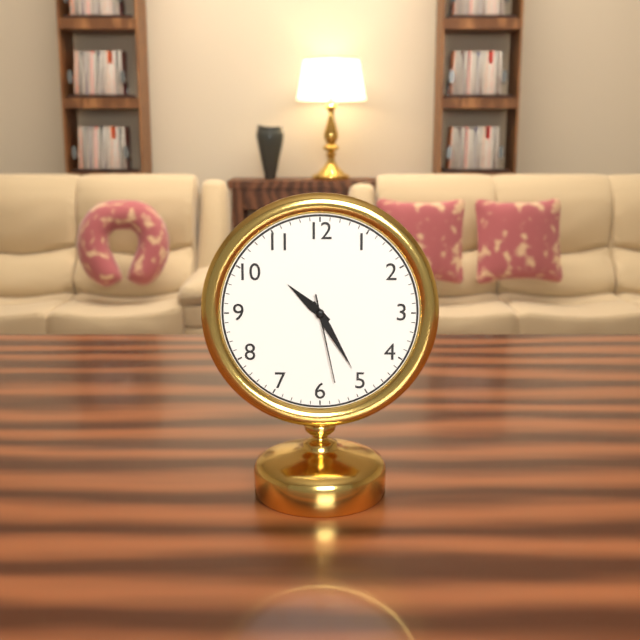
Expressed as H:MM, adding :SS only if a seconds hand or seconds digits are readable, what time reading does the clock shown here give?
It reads 10:25:28
